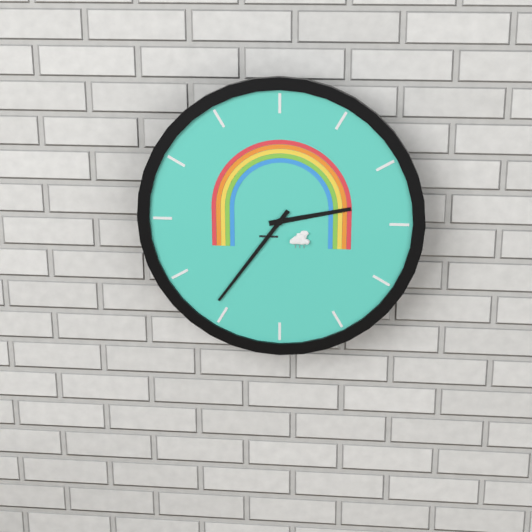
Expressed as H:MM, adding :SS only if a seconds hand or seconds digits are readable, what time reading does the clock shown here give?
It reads 2:36
